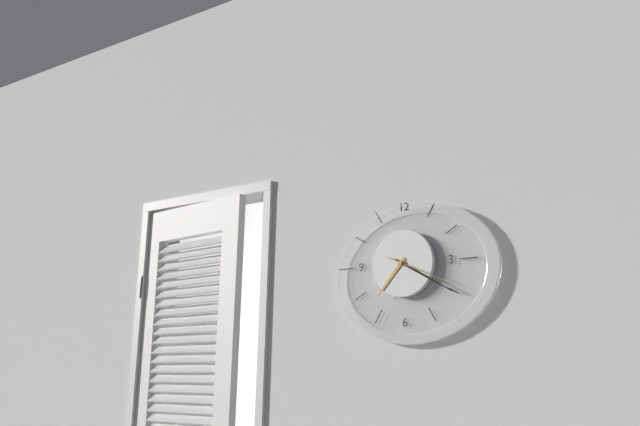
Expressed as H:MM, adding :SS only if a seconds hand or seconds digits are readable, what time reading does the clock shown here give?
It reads 7:20:19
